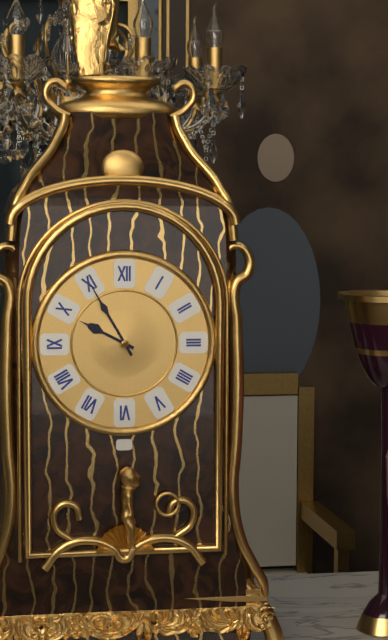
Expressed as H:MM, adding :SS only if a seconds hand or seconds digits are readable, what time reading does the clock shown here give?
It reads 9:55
